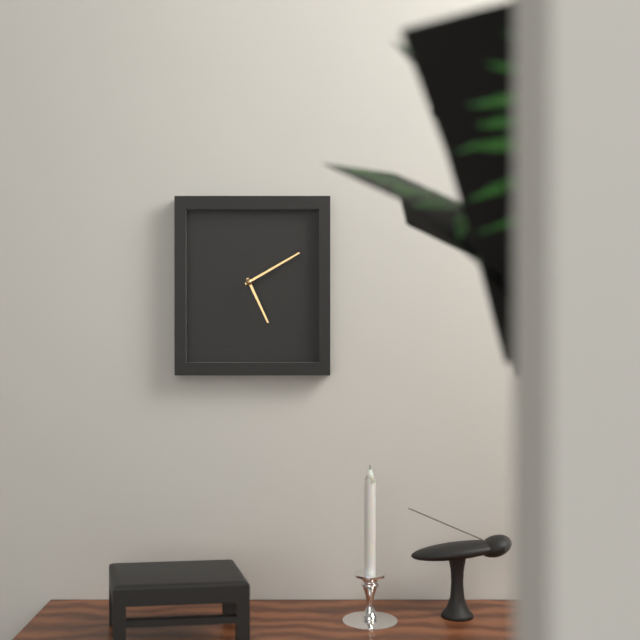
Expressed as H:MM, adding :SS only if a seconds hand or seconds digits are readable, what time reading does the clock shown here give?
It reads 5:10
